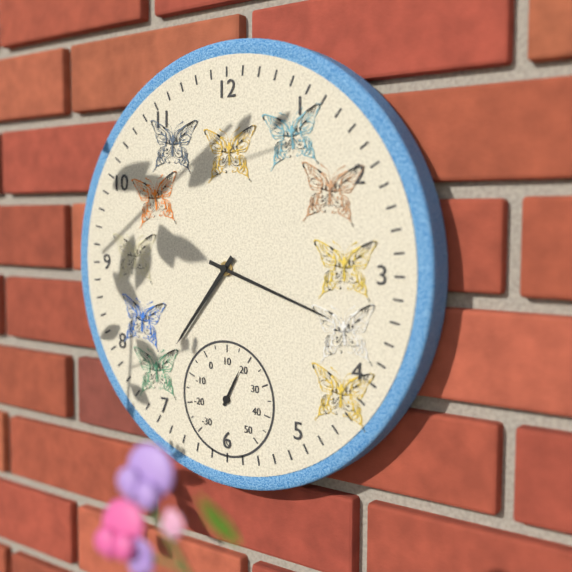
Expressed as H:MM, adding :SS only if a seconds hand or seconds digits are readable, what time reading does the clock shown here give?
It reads 7:18
